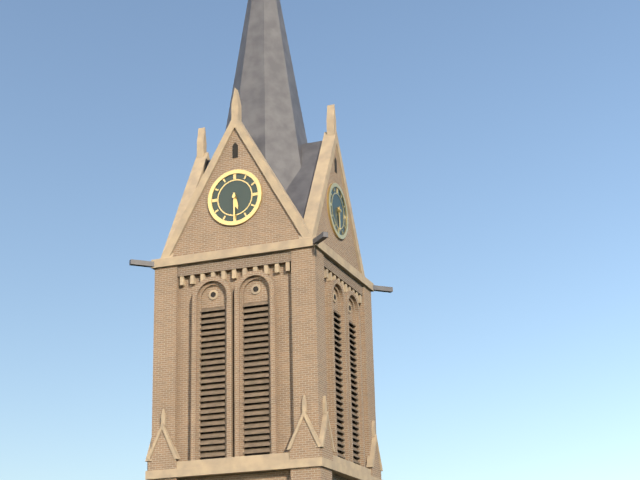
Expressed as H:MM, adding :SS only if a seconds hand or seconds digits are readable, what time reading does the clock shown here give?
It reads 5:30
